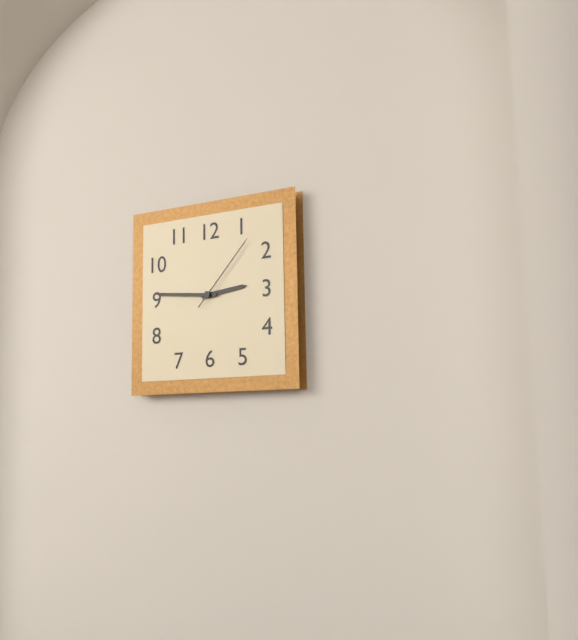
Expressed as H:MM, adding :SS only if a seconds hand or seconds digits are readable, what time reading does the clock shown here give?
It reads 2:46:07
